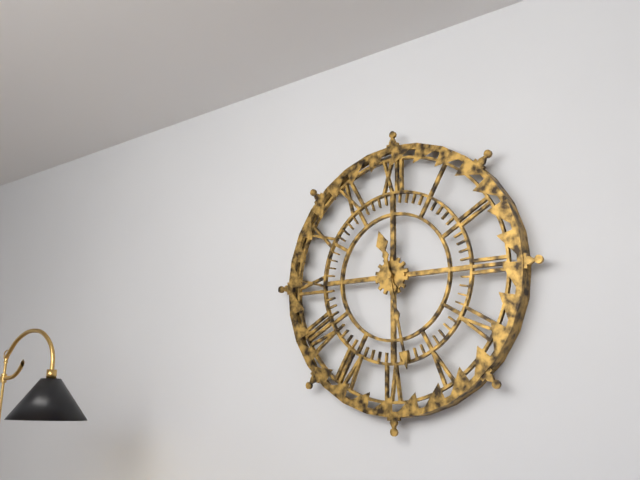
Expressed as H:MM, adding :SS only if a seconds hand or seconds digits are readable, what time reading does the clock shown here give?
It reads 11:28
